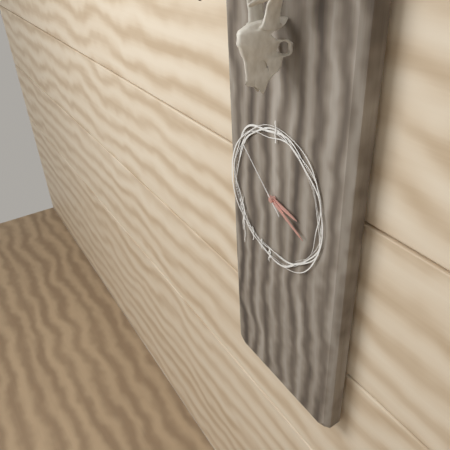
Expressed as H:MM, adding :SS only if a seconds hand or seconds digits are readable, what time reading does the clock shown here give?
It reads 3:19:52
